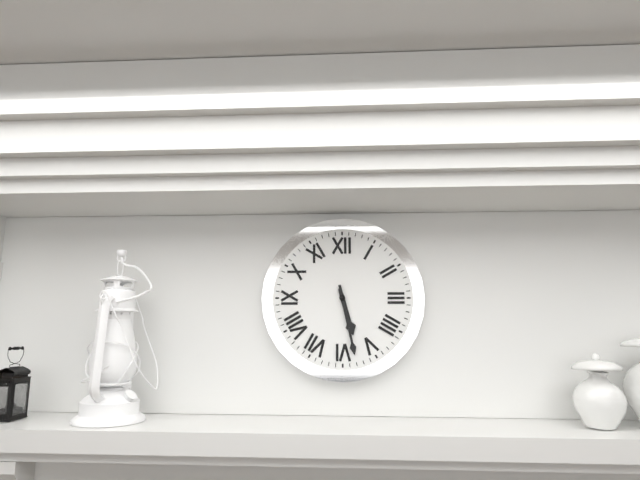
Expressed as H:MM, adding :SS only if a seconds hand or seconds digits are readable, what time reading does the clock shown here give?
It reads 5:28
